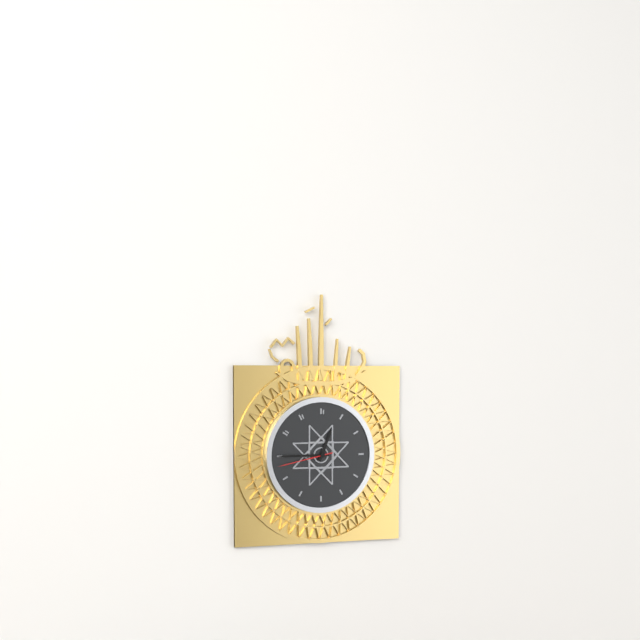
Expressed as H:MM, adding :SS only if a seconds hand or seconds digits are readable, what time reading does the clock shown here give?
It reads 12:45:43
